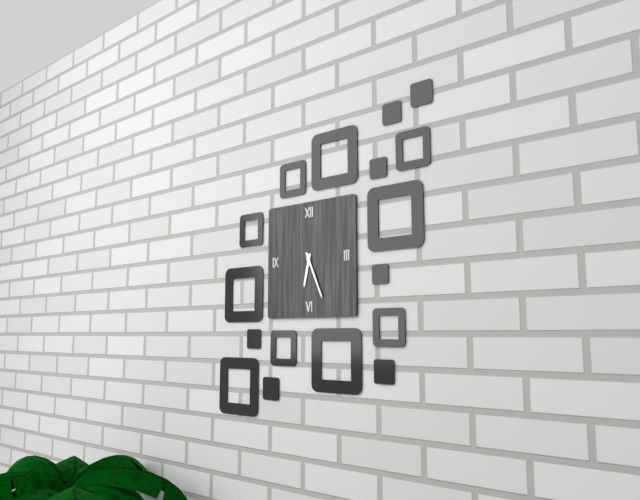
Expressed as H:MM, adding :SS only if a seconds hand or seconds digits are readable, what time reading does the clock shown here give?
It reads 6:26
